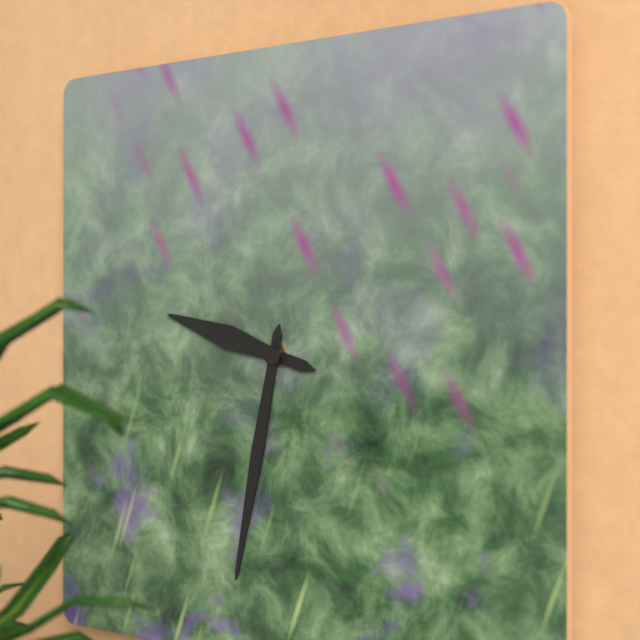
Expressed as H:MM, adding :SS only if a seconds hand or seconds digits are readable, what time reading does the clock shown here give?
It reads 9:32
